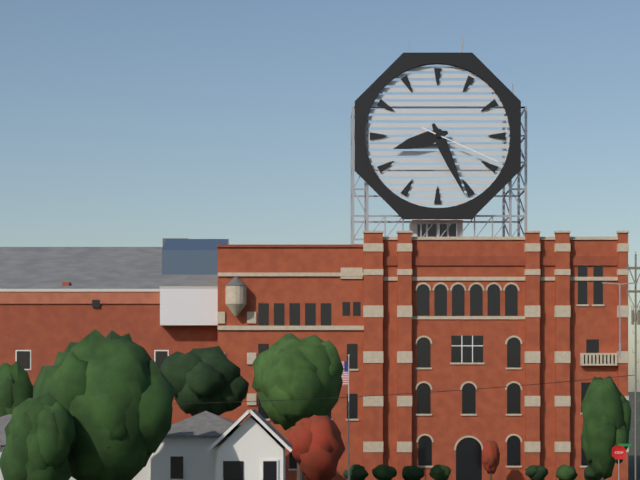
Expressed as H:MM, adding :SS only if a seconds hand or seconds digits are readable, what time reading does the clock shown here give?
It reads 8:26:19
